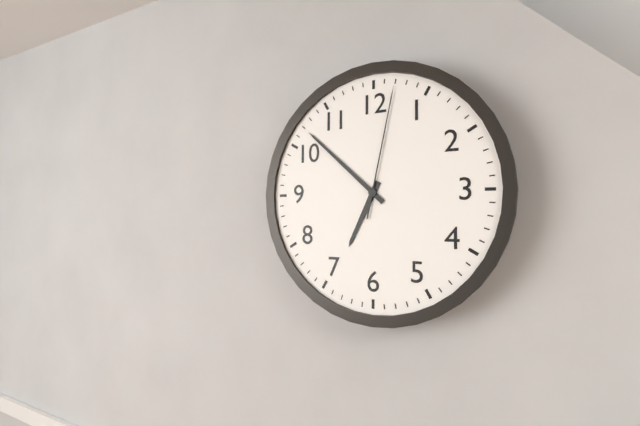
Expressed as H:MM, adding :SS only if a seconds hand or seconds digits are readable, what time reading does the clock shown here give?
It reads 6:52:02
